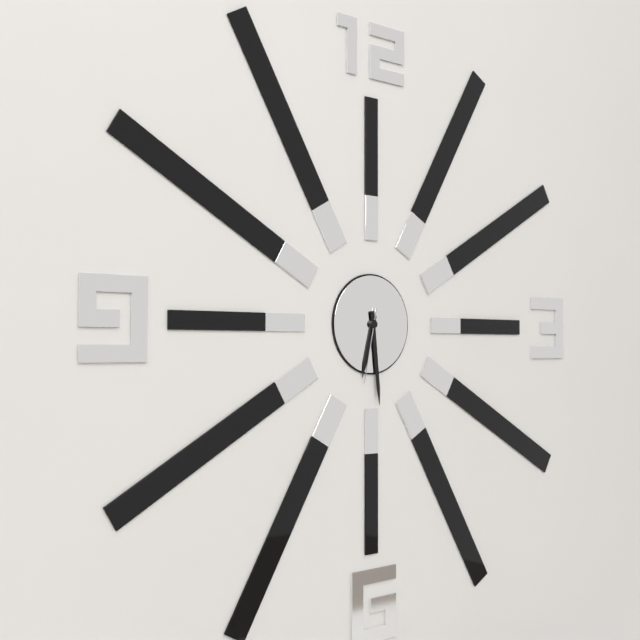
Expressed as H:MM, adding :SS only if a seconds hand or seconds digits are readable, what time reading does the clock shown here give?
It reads 6:29:32
